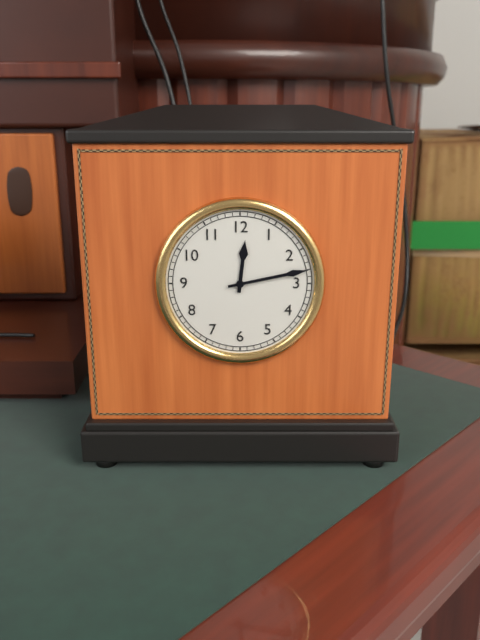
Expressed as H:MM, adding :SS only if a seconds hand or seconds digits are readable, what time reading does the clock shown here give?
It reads 12:13
